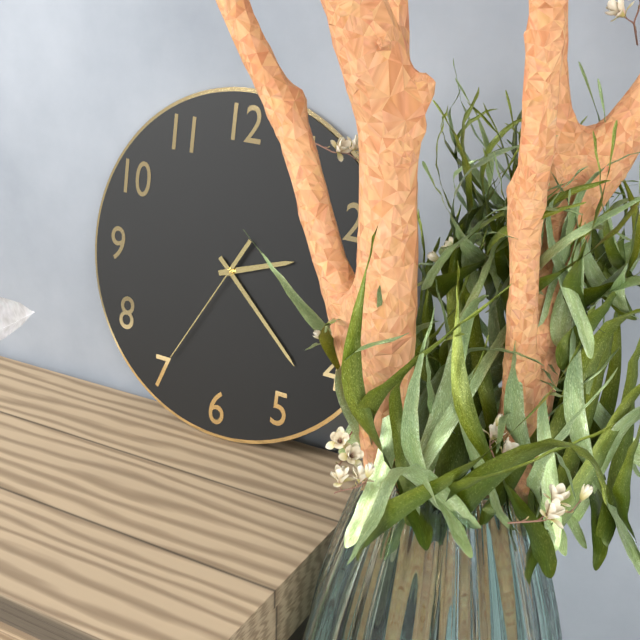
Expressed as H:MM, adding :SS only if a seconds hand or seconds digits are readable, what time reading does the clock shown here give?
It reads 2:22:35
